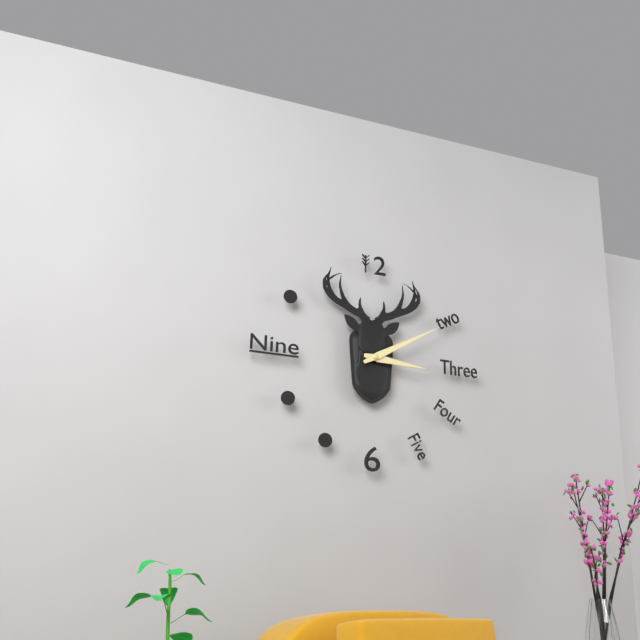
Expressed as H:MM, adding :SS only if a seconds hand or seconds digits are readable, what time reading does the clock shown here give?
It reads 3:10
